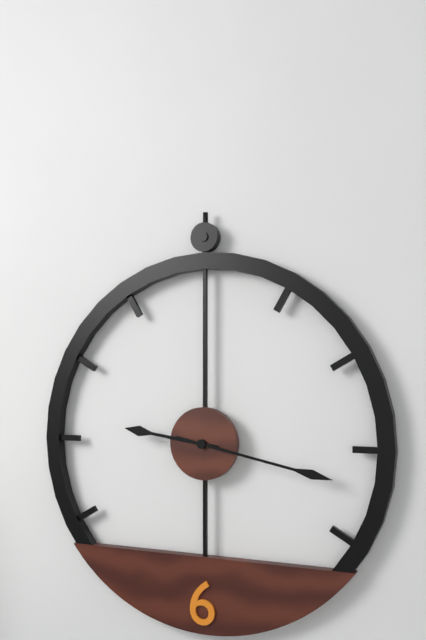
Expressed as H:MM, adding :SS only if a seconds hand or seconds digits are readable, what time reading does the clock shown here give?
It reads 9:17
